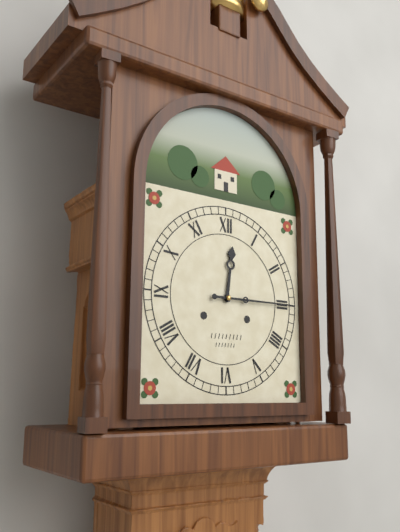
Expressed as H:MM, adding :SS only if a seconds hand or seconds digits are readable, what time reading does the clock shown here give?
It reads 12:15
